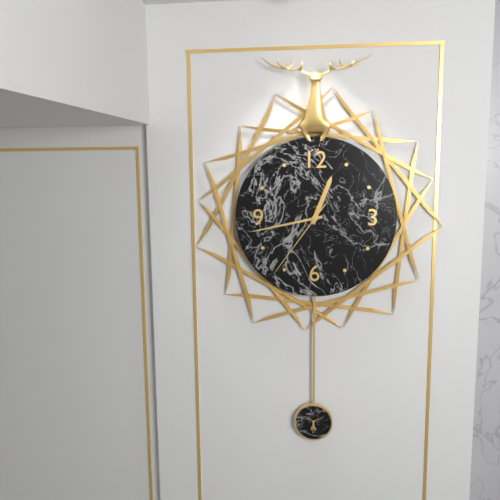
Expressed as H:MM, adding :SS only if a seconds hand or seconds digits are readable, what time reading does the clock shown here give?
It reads 12:43:36
